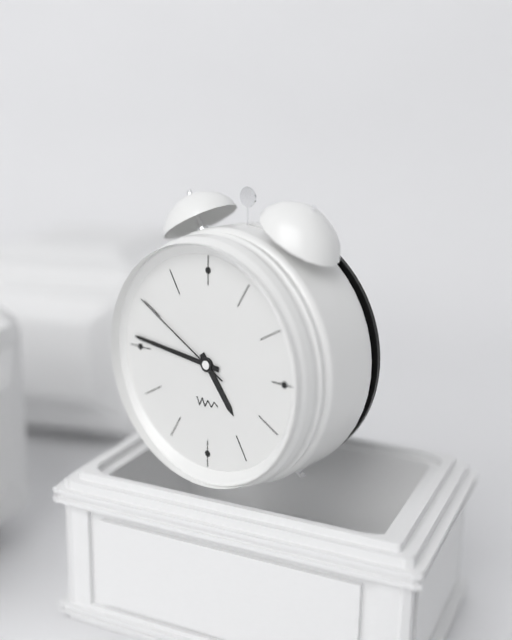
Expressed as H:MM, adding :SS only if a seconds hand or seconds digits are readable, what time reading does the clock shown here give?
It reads 4:46:50
